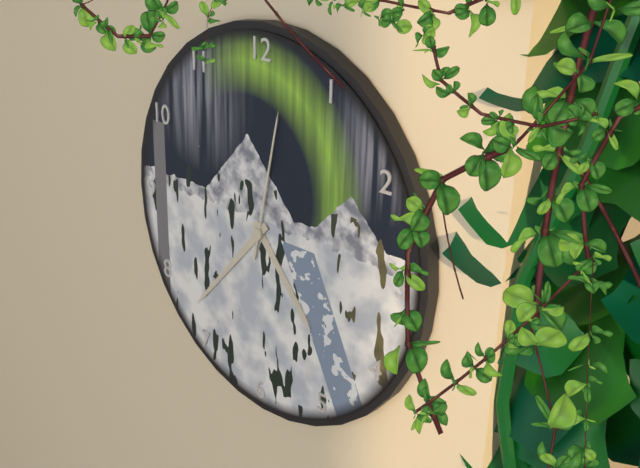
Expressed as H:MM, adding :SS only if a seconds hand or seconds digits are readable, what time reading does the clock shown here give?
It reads 4:37:02
